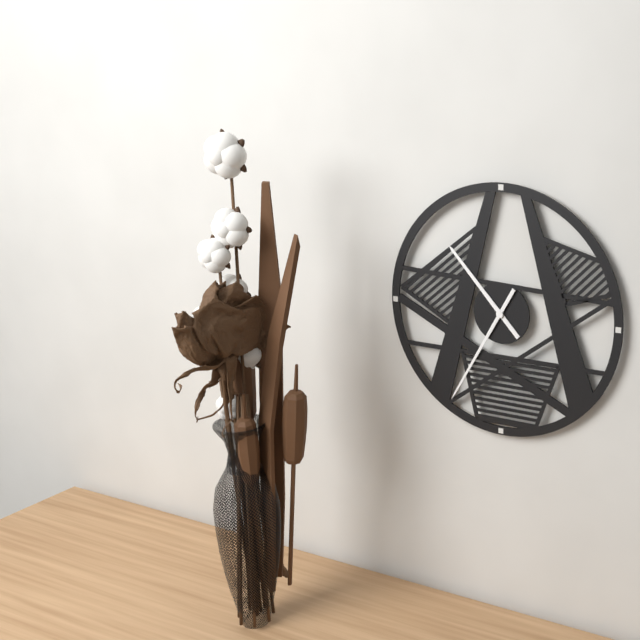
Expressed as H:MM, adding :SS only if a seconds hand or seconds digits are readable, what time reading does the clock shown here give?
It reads 10:35
